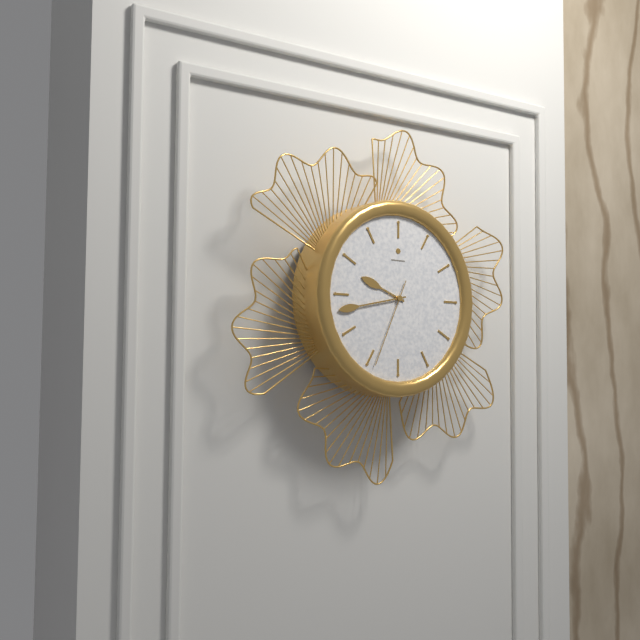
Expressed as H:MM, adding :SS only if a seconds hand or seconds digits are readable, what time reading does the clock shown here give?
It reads 9:43:34
